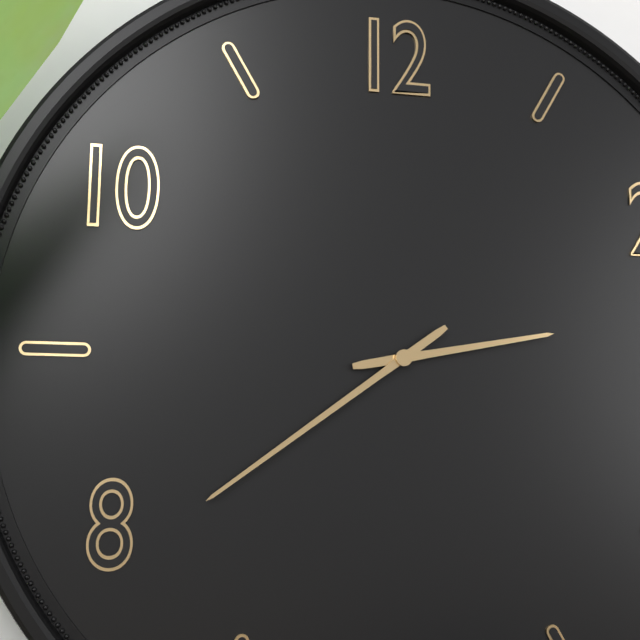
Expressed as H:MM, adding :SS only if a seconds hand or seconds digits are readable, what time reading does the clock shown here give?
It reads 2:39
